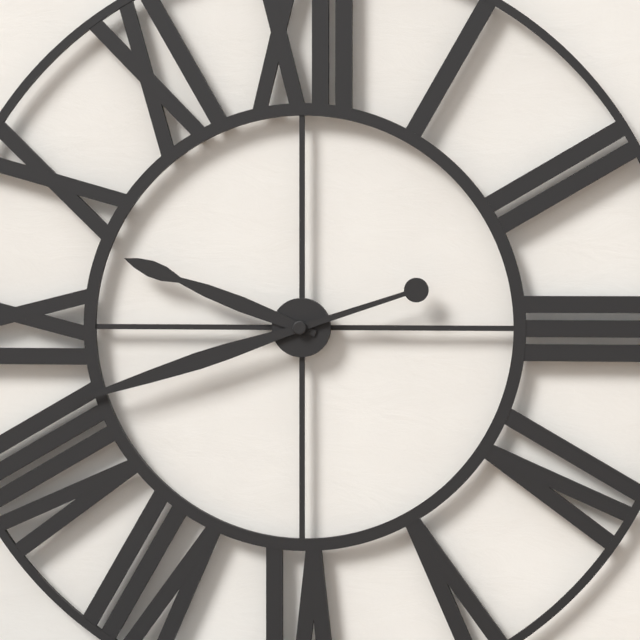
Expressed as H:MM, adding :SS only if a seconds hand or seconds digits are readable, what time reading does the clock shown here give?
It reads 9:42
